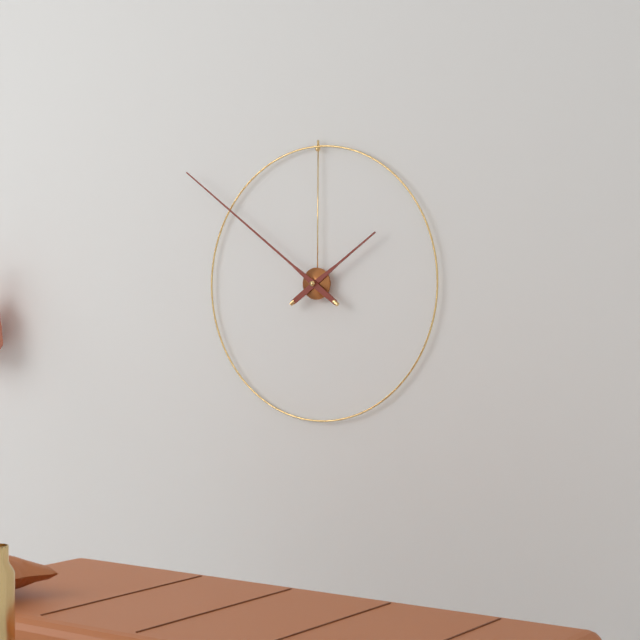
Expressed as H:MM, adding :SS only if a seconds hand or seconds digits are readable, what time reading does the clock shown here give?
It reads 1:51
